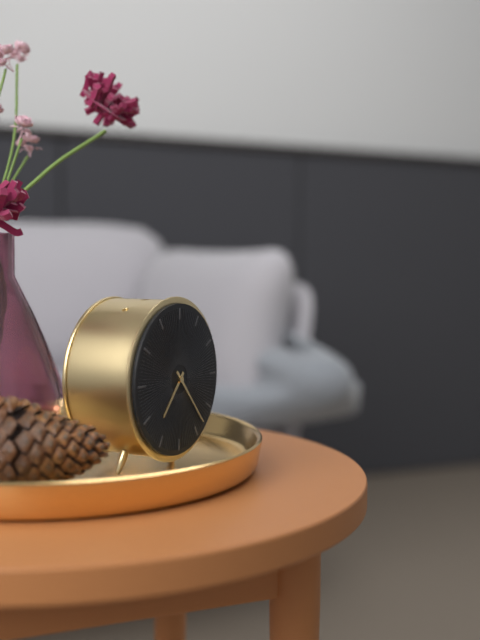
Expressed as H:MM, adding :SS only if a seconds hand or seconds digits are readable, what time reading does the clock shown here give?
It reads 7:23
